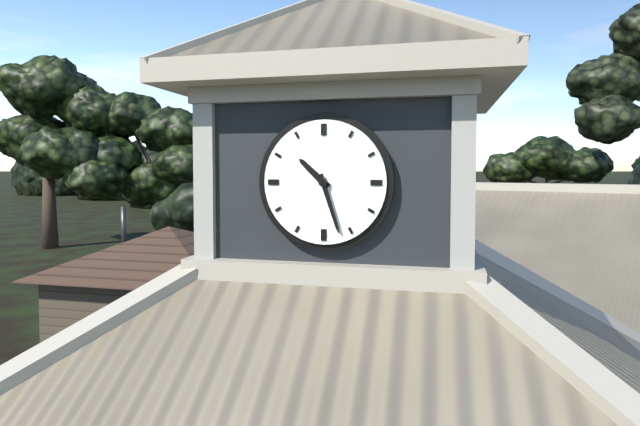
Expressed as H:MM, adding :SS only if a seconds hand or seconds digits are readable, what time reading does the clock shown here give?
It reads 10:27
